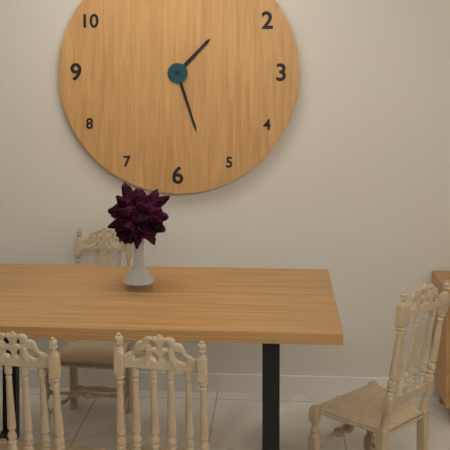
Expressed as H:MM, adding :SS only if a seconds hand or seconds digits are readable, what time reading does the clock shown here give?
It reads 1:27
